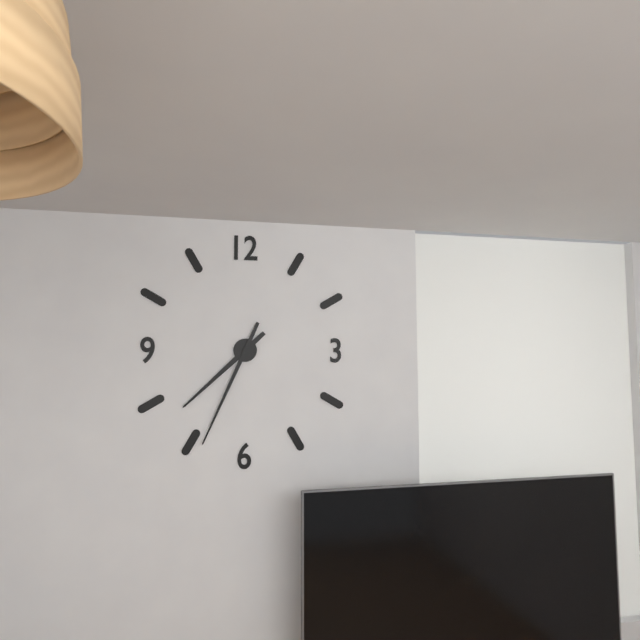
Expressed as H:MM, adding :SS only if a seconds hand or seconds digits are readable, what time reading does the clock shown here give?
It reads 7:34
